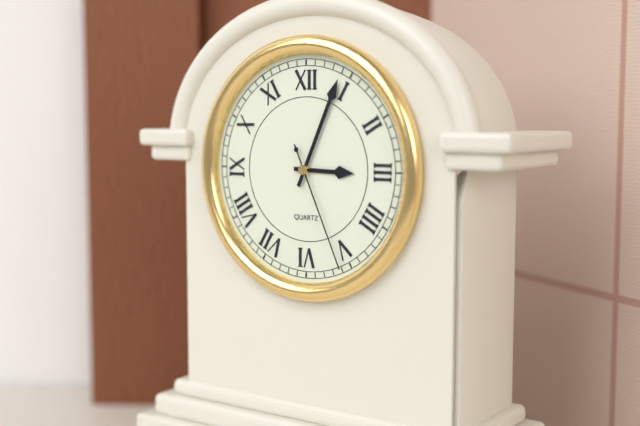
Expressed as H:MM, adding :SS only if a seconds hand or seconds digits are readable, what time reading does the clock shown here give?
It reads 3:04:26
